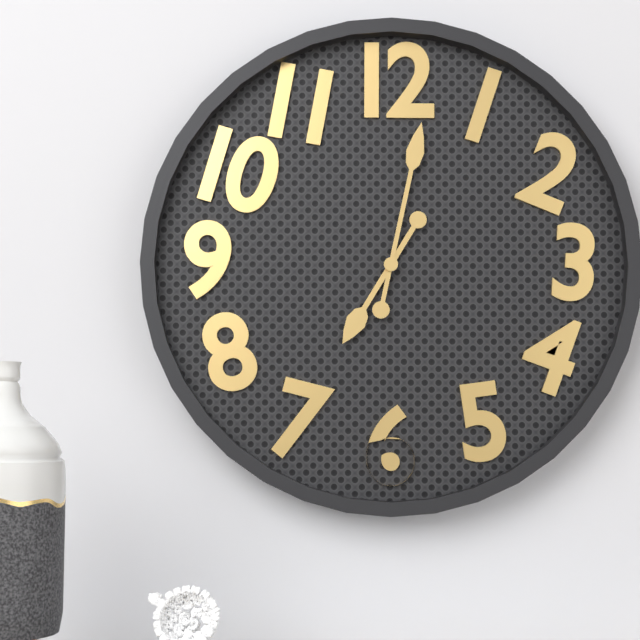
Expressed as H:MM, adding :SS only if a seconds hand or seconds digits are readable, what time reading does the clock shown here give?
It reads 7:02
